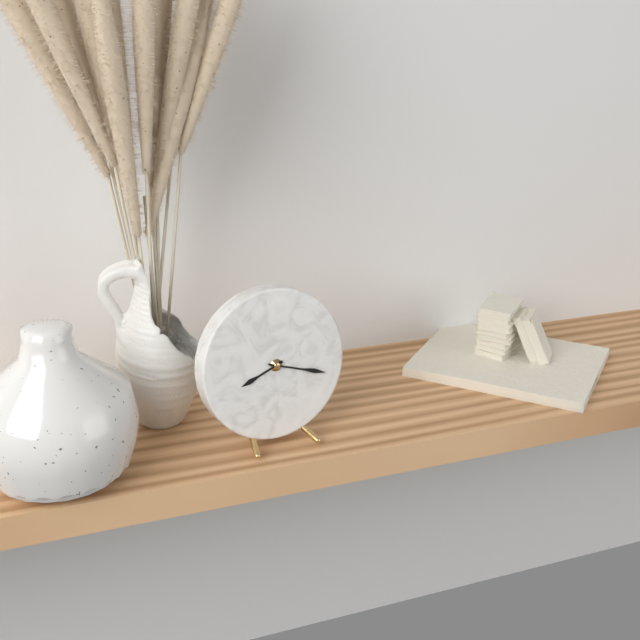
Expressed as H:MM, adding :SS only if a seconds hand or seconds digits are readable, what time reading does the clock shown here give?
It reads 8:18
